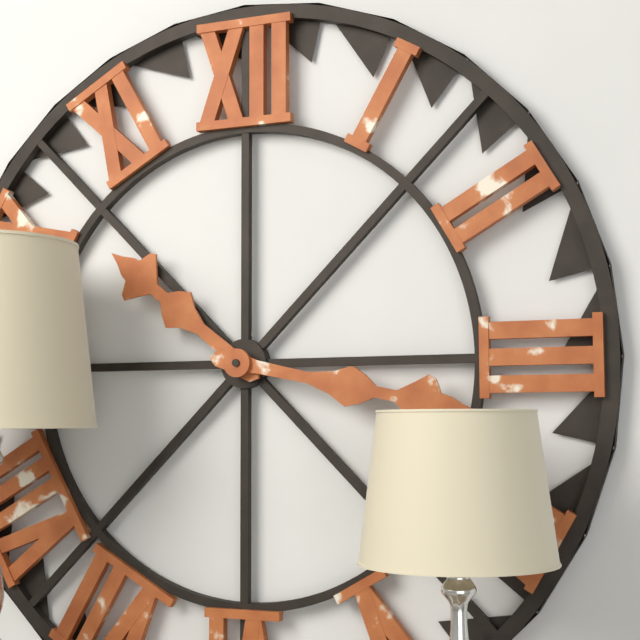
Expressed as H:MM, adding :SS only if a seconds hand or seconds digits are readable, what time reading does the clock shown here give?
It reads 10:17
